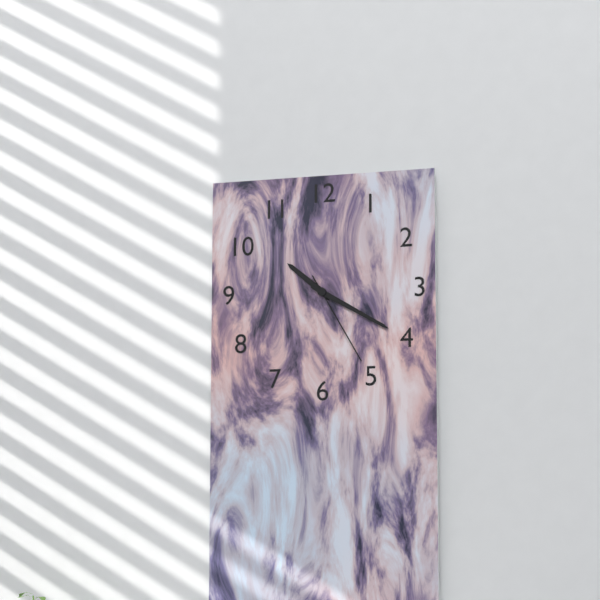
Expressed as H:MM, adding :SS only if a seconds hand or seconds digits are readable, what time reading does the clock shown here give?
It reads 10:20:25
